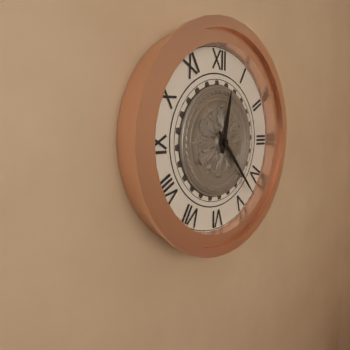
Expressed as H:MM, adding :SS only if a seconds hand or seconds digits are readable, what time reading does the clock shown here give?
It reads 12:23
